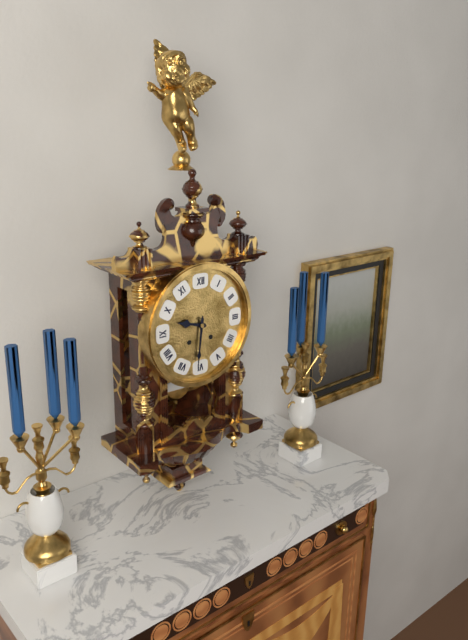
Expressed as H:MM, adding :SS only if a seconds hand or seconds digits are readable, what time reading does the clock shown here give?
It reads 9:31
